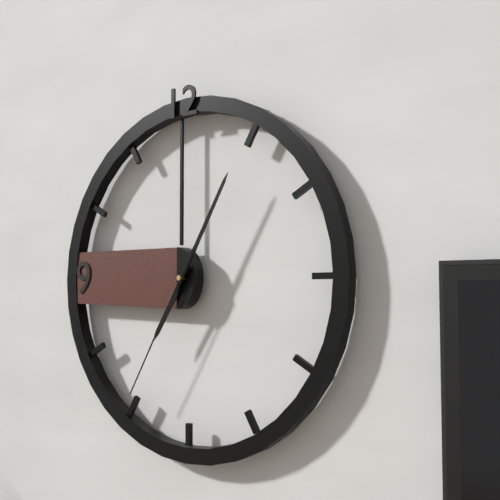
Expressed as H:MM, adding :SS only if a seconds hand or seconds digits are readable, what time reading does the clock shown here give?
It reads 7:05:35
